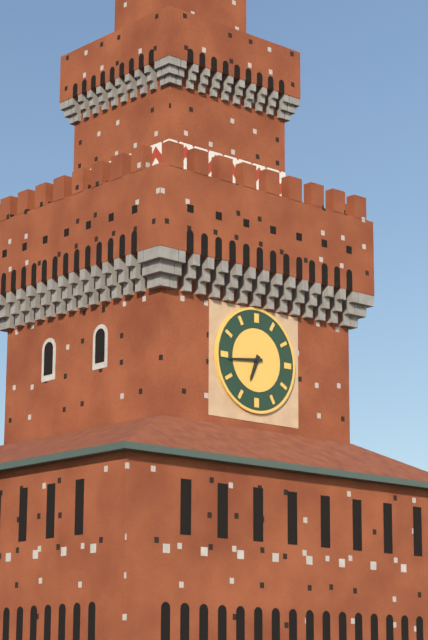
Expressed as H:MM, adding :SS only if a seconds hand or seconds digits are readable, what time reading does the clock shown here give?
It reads 6:44
